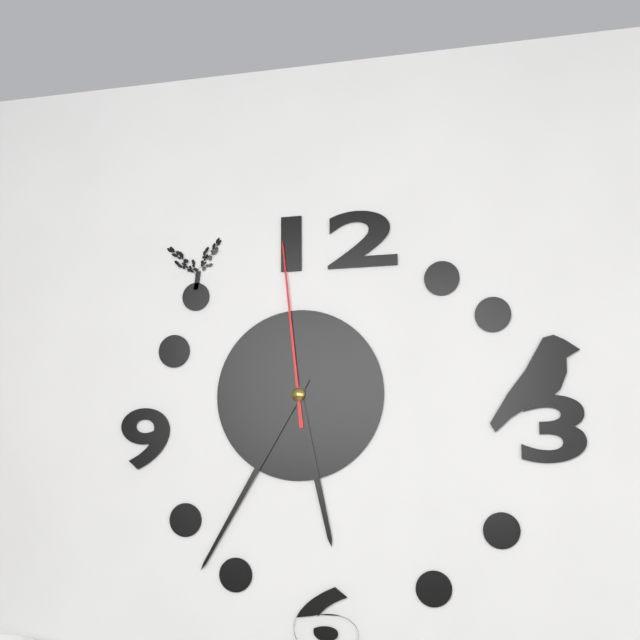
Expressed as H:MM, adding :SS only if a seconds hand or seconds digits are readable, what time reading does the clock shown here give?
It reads 5:35:59
